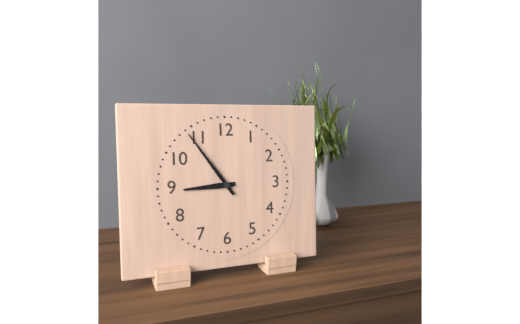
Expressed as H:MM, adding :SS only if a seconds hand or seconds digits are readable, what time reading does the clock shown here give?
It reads 8:54
